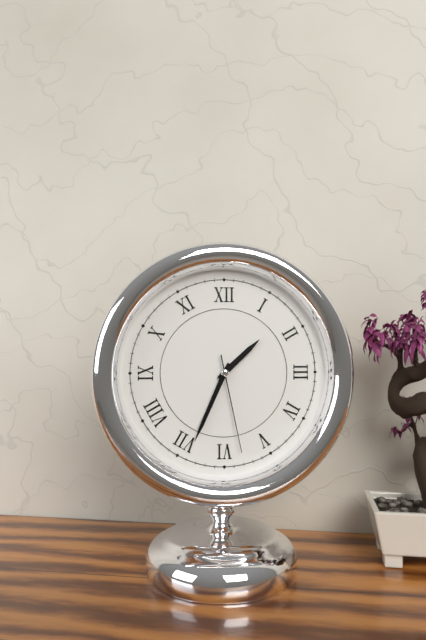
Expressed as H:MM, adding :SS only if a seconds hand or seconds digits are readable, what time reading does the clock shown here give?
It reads 1:34:28
